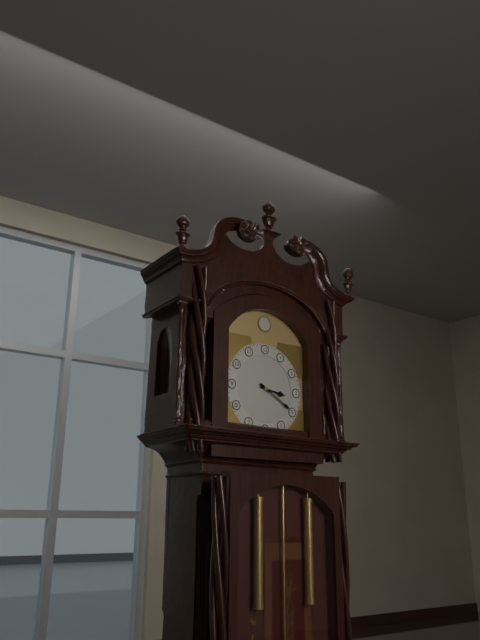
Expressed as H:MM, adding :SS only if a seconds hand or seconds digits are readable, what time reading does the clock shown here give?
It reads 3:20
